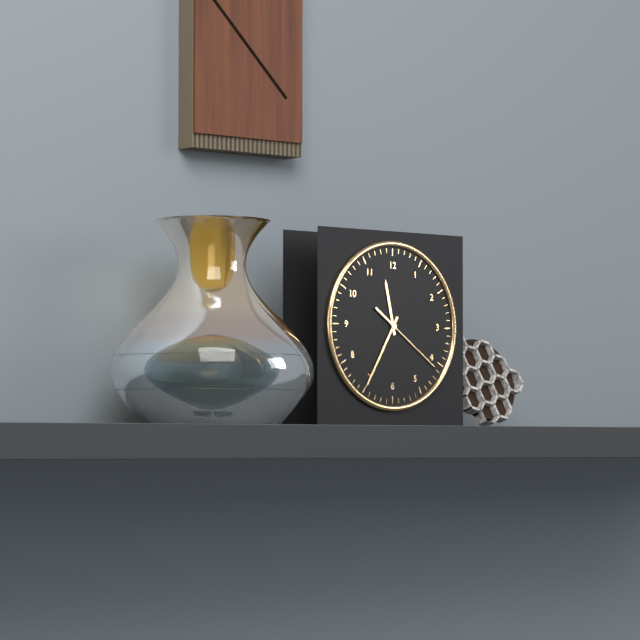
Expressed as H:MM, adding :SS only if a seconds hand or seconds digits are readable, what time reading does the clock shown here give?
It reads 11:35:21
